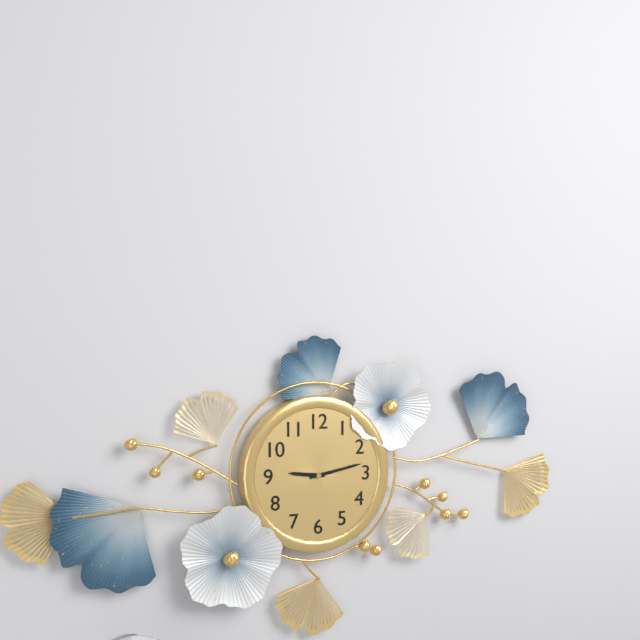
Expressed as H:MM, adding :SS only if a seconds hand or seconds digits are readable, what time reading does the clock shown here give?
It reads 9:13
